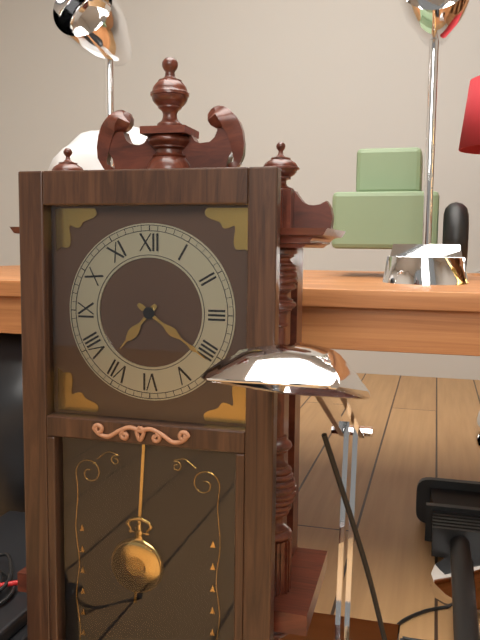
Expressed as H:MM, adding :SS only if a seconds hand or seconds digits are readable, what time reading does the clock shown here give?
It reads 7:21
